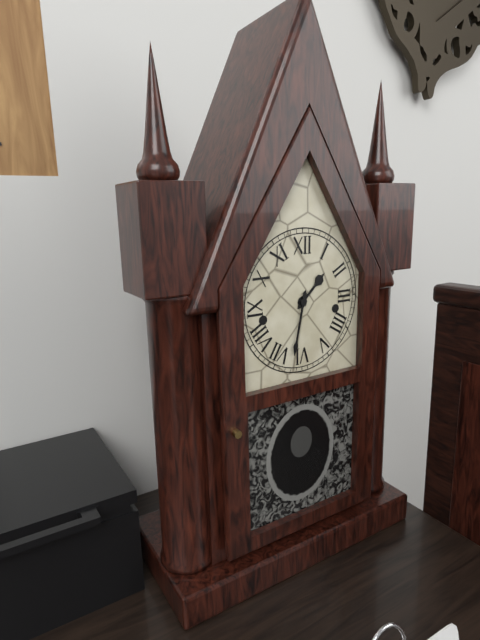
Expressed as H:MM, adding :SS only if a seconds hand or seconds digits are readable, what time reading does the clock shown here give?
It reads 1:32
